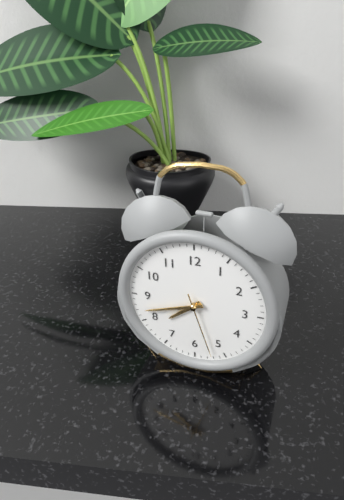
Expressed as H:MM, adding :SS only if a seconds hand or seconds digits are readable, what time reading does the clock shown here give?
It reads 7:42:27
